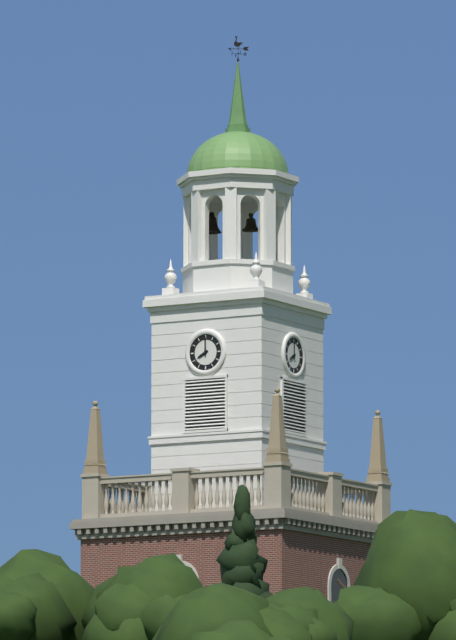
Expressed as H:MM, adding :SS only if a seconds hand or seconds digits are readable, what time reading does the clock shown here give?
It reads 8:00
